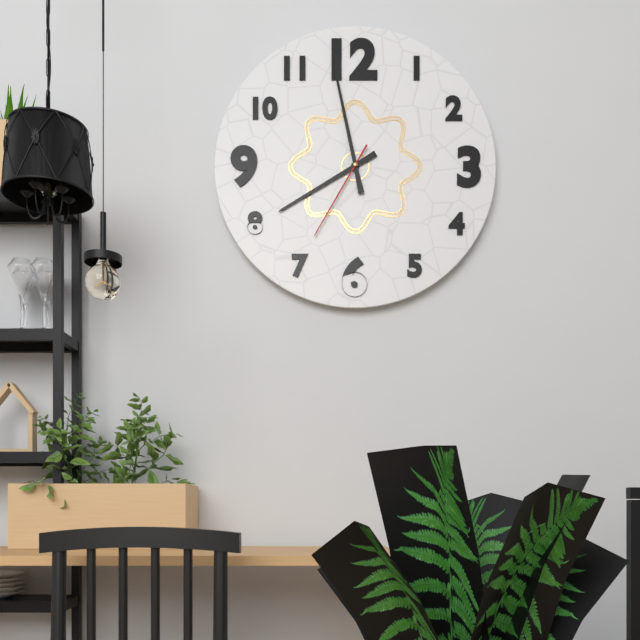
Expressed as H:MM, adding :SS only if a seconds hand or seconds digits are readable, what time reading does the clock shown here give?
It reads 7:58:35
